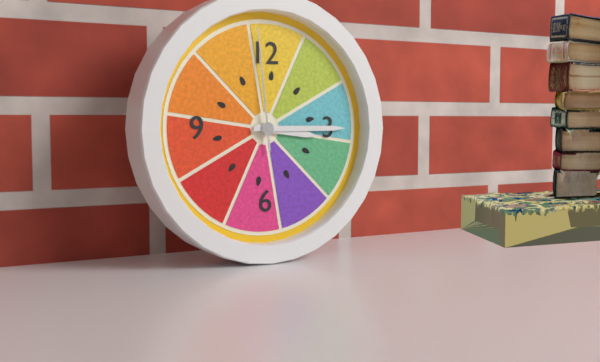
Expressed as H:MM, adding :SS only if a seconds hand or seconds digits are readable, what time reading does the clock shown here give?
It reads 3:15:59
